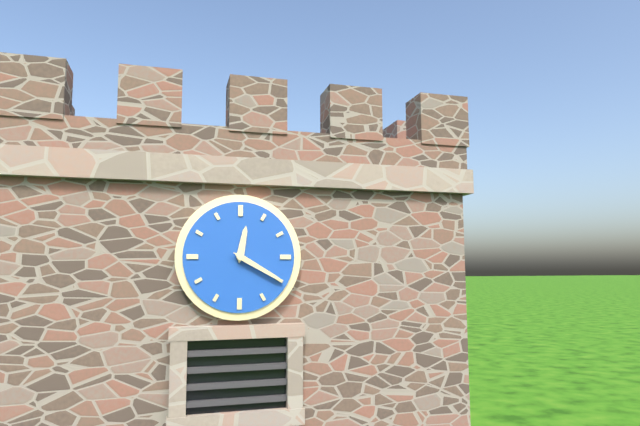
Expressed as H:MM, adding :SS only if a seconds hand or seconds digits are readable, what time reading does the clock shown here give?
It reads 12:20
